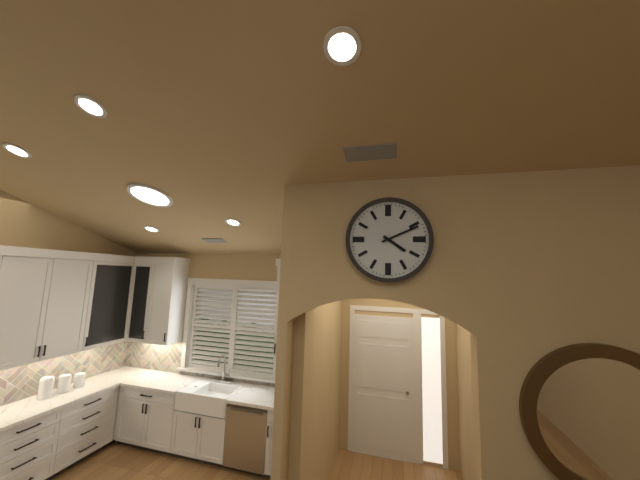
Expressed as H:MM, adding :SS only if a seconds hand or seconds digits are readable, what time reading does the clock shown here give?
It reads 4:11
